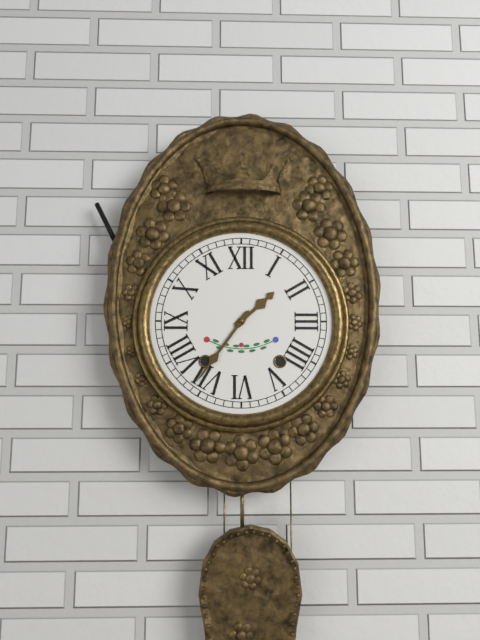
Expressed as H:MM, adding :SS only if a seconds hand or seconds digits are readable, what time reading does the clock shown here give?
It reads 1:36
